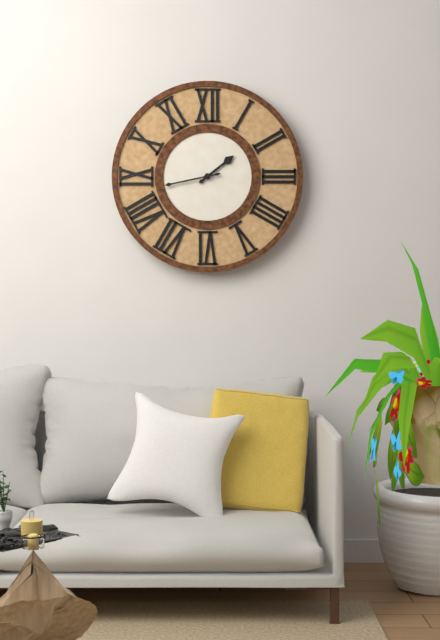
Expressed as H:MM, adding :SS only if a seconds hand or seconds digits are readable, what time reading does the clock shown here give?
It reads 1:43
